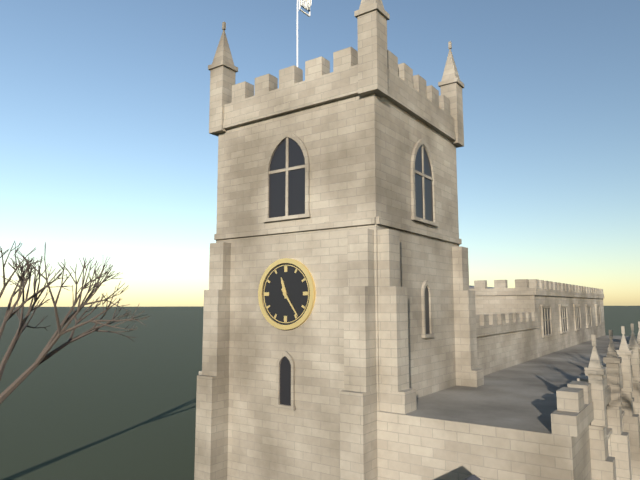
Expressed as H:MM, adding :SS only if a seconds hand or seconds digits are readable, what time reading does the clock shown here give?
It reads 11:24
